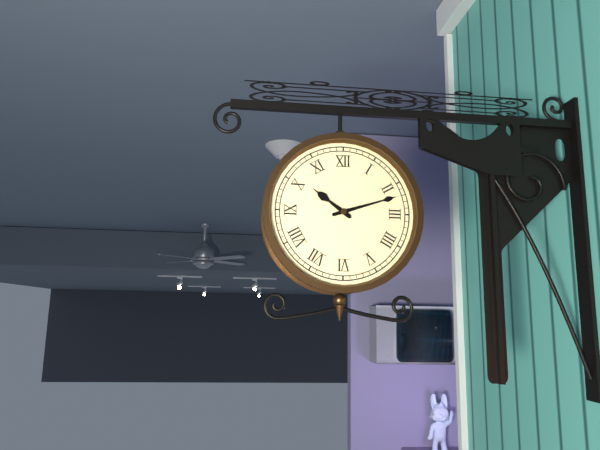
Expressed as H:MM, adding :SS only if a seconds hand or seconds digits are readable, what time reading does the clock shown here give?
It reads 10:12
